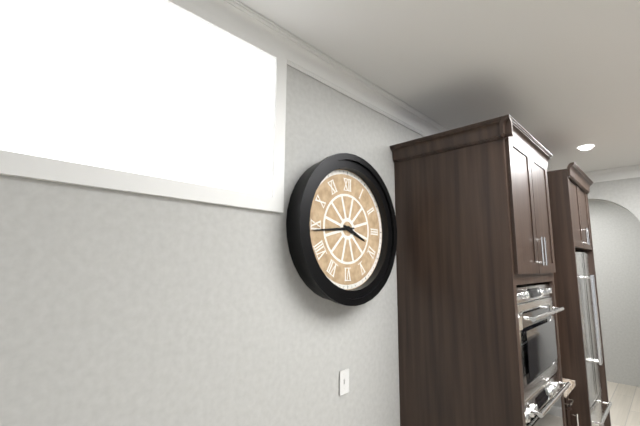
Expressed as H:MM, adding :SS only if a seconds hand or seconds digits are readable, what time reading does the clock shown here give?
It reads 3:44
